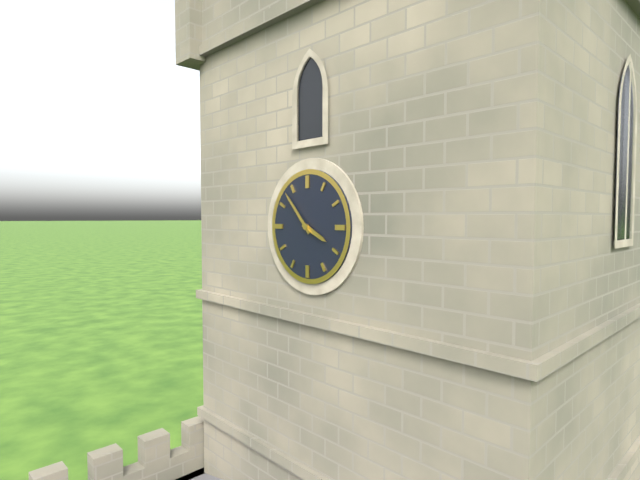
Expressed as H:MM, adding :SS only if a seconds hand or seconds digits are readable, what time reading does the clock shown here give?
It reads 3:53
